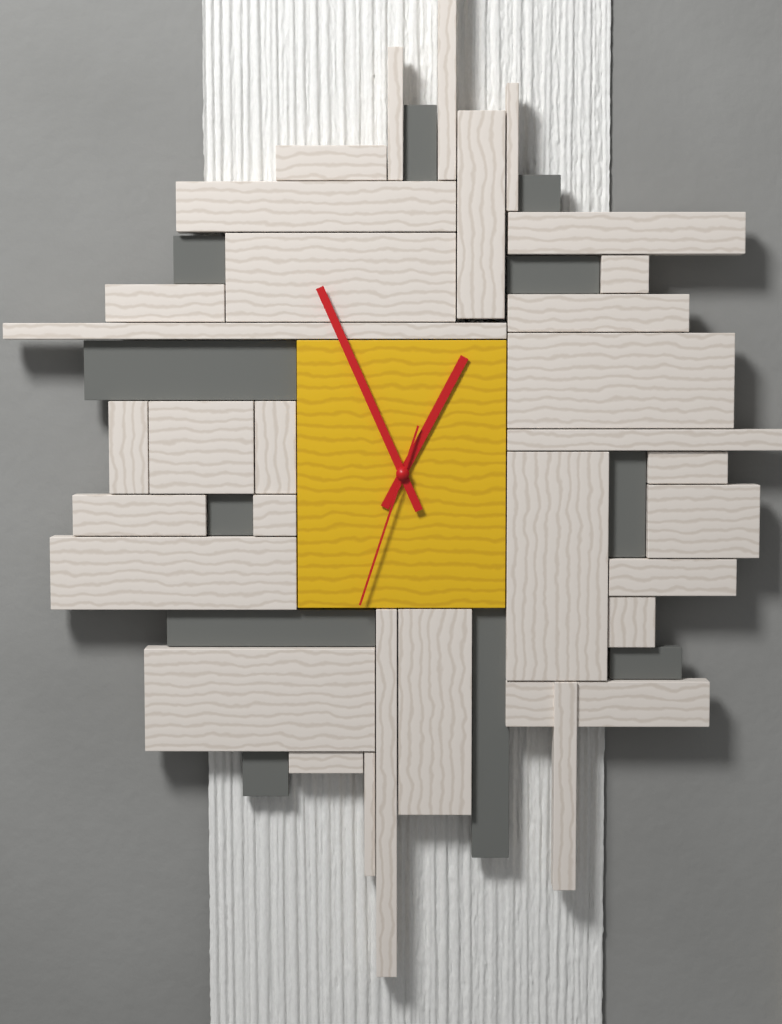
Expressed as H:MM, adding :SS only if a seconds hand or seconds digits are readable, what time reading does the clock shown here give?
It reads 12:56:33
